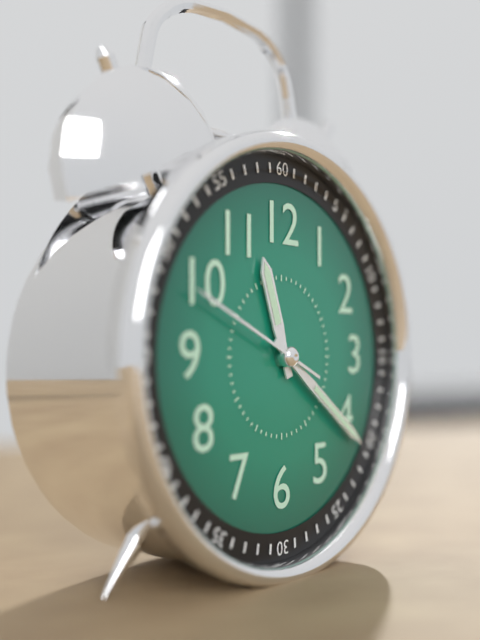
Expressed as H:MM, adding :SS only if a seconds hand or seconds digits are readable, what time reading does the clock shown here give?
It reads 11:21:49
